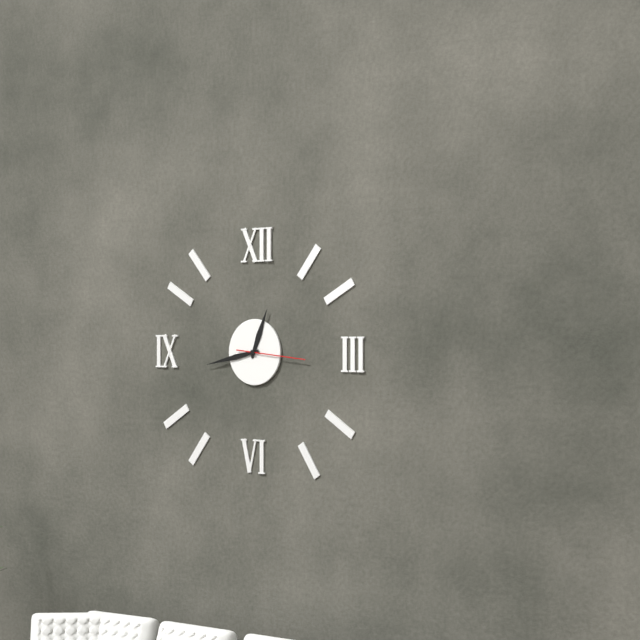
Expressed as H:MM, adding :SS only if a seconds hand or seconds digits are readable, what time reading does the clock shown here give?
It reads 12:43:16
